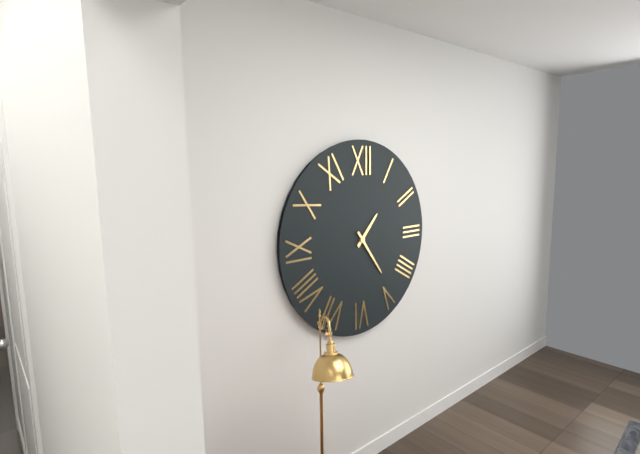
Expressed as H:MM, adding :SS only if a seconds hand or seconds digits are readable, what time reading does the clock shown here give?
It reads 1:24
